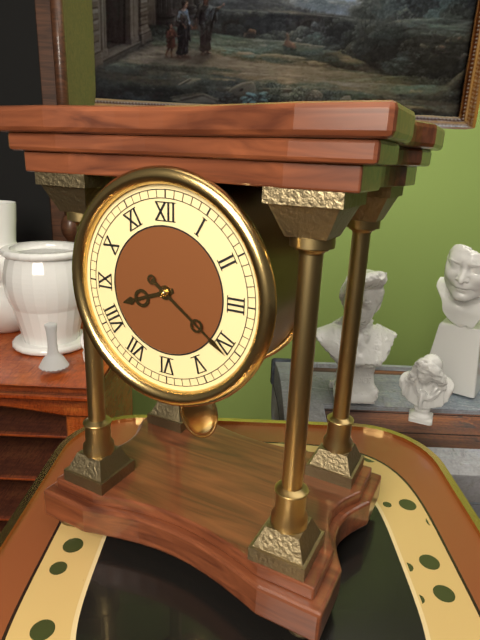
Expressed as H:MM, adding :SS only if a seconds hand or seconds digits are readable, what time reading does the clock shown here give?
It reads 8:21
